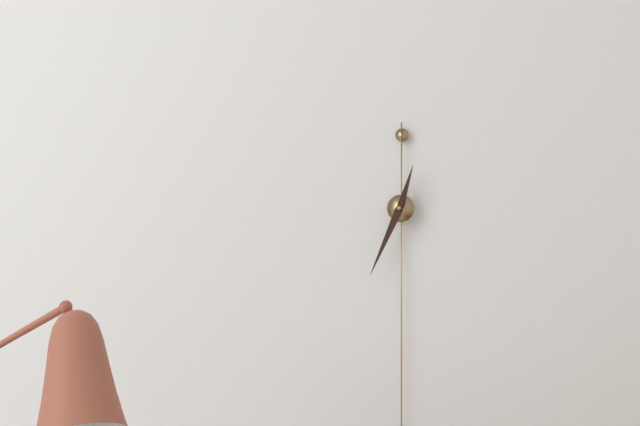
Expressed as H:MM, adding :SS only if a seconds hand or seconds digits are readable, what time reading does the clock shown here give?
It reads 12:34
